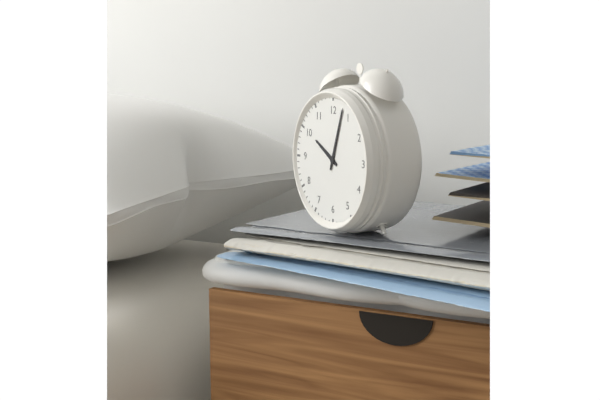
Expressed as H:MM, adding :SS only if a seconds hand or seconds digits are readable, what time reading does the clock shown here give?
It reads 10:03
